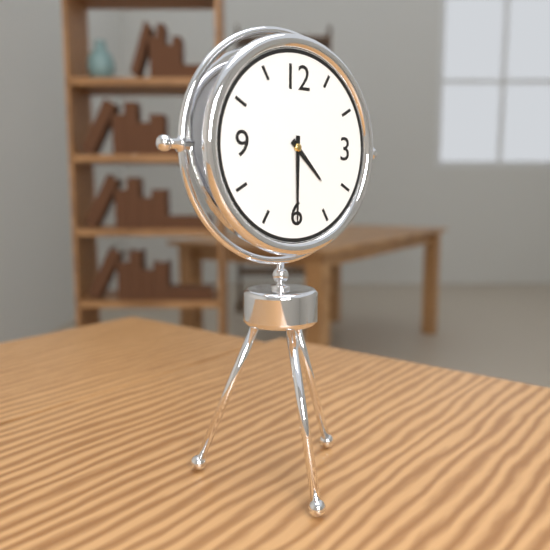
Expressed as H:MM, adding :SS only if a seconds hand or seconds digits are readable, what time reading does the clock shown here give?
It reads 4:30
